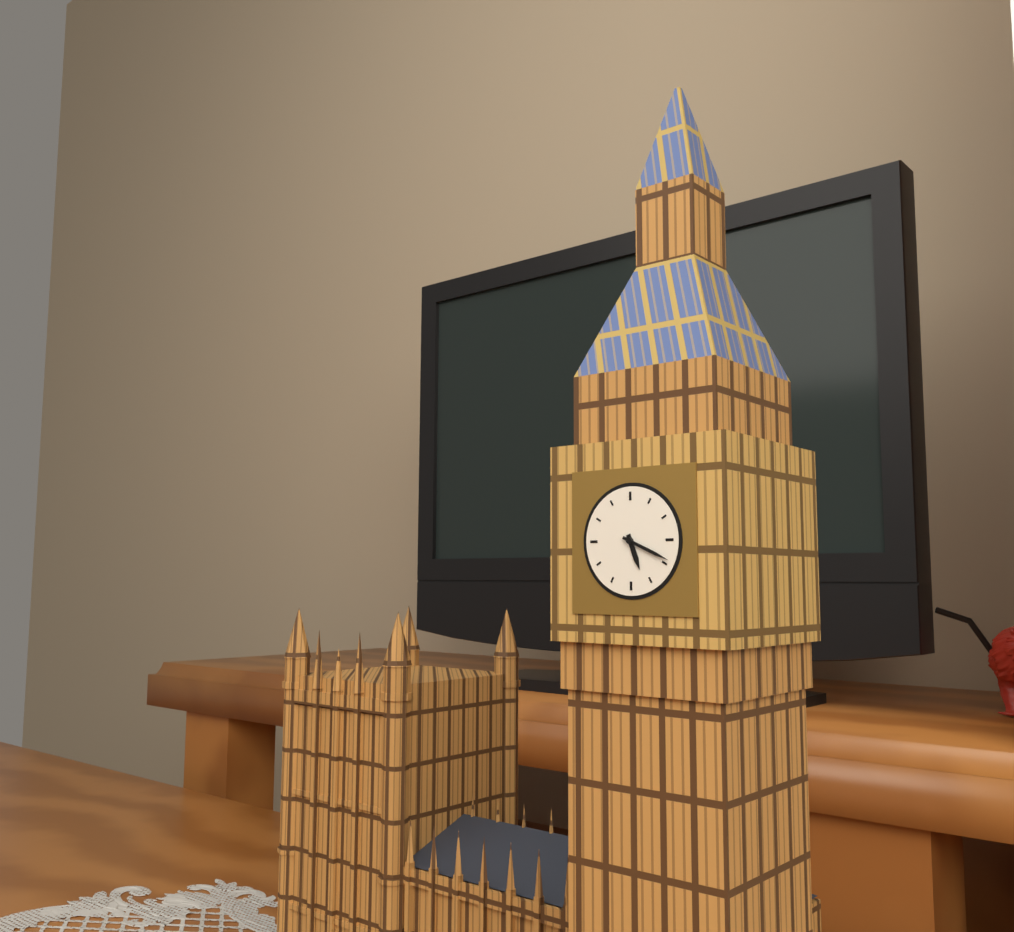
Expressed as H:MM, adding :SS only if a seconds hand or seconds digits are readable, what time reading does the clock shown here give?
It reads 5:19
